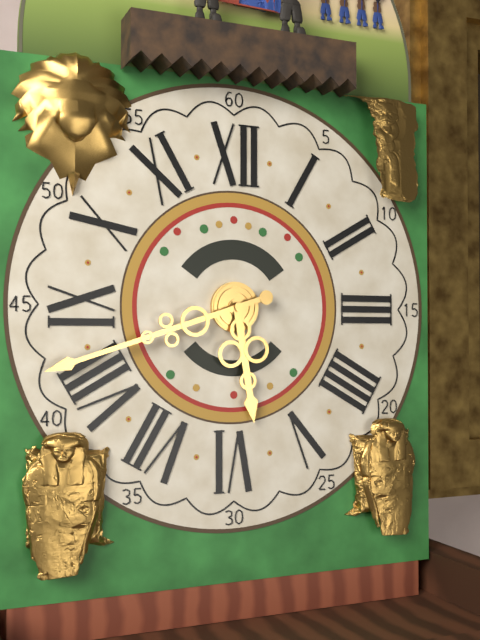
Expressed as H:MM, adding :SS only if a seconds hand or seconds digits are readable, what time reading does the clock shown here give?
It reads 5:42
